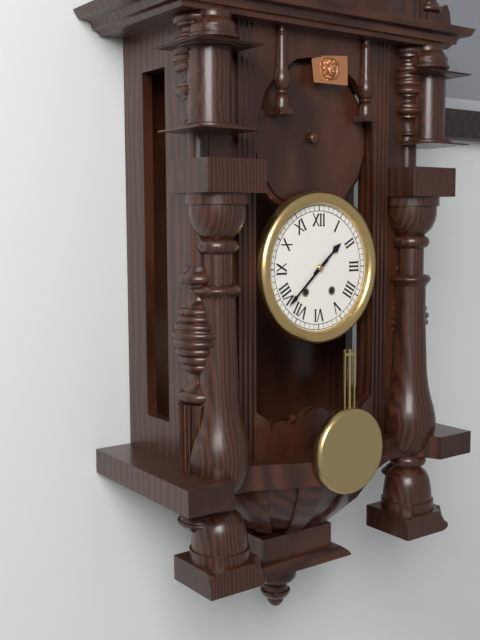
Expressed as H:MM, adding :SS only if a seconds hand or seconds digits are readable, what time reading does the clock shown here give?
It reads 1:38
